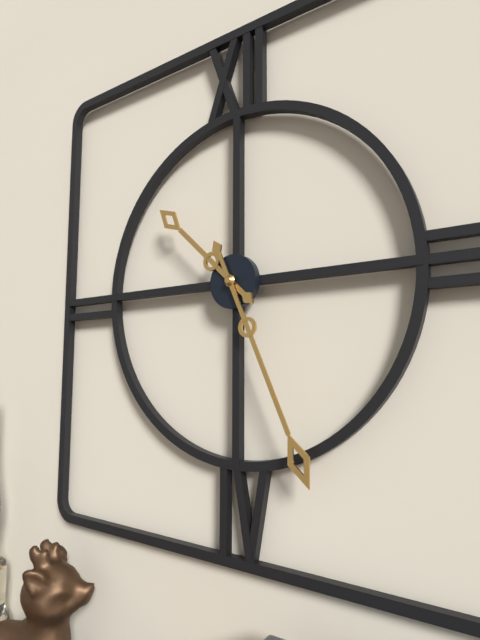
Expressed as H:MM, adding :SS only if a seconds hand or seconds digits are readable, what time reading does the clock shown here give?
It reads 10:26
